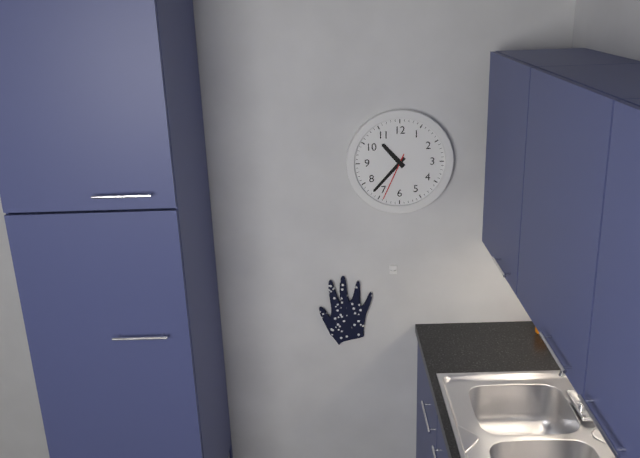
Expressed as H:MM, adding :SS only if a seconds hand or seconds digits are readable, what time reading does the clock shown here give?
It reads 10:37:34
